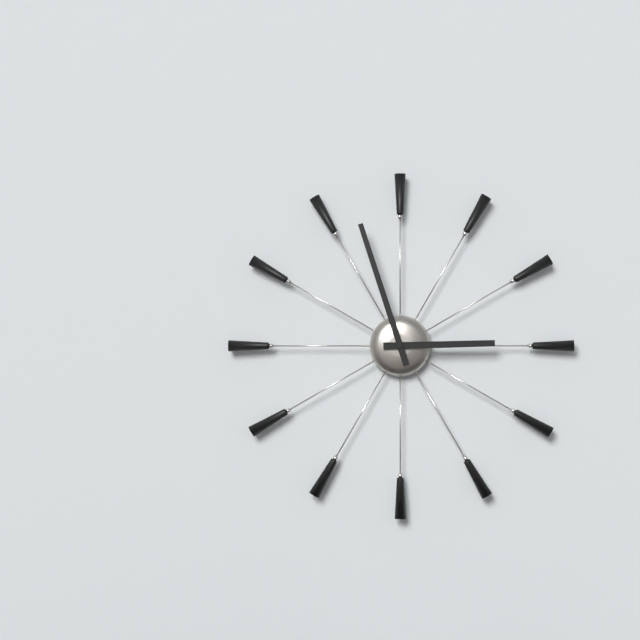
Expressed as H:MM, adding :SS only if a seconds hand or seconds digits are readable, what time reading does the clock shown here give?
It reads 2:57
